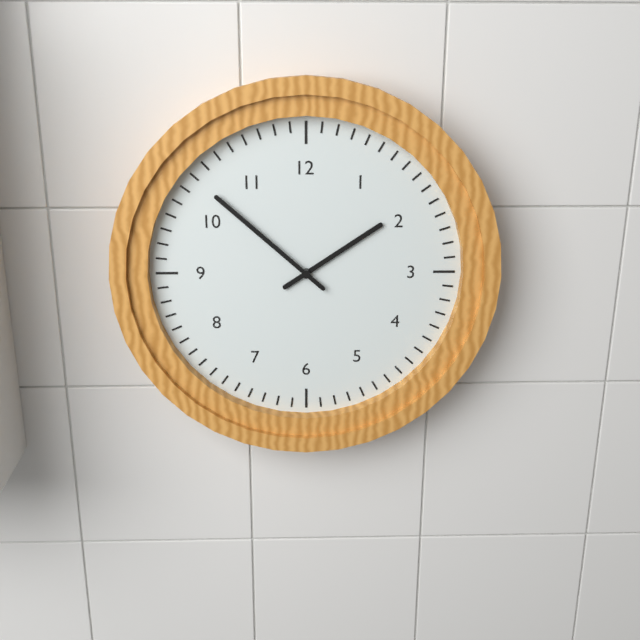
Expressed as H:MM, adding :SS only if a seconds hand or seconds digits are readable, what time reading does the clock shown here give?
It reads 1:52
